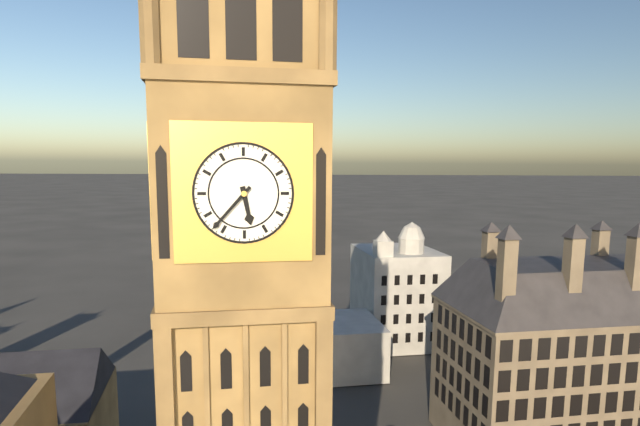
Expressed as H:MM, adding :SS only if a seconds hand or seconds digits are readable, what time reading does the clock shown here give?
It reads 5:37
